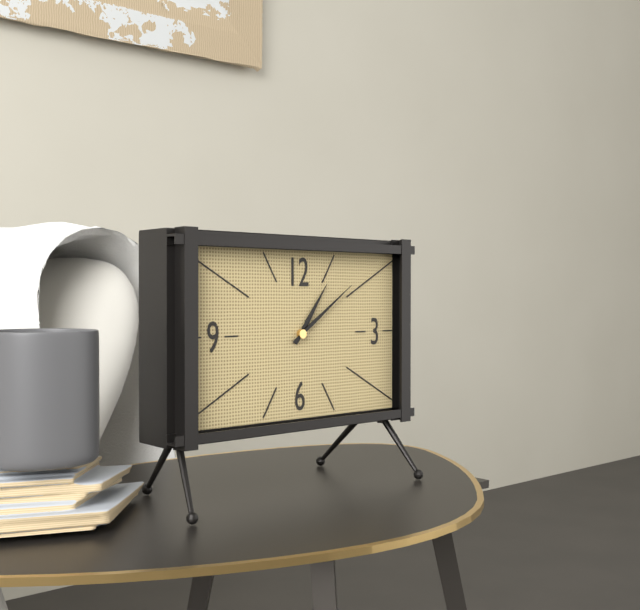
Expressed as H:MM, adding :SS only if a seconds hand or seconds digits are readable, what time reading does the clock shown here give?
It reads 1:09
